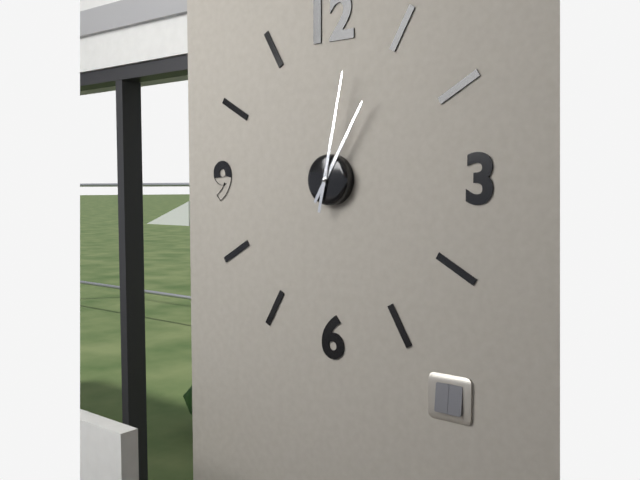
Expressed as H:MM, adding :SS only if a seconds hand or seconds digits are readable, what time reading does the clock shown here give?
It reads 1:02
